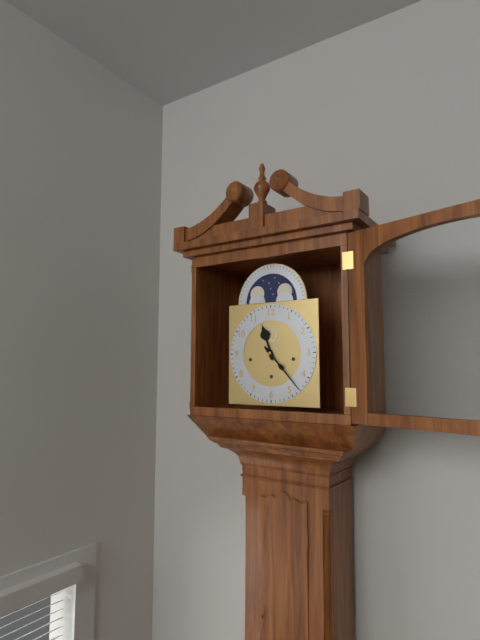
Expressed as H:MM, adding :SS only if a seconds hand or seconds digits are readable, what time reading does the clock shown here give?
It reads 11:23
